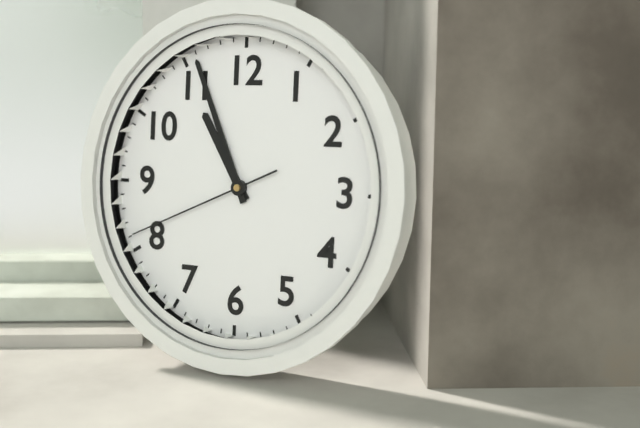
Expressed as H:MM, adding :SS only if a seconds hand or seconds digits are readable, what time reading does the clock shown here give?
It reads 10:56:41
